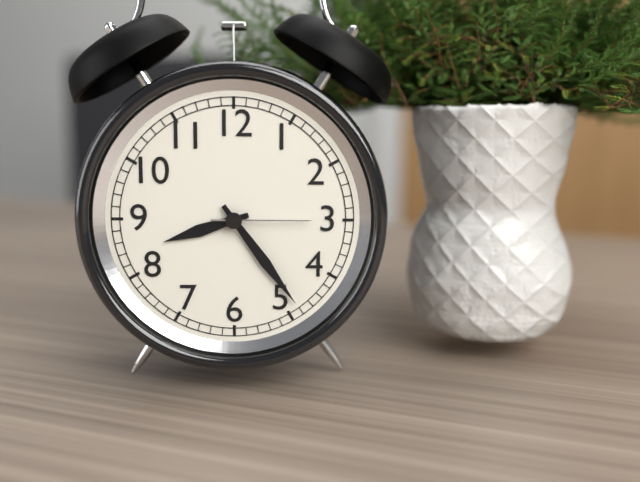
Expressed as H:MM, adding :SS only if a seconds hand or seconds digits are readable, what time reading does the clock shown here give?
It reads 8:24:15
